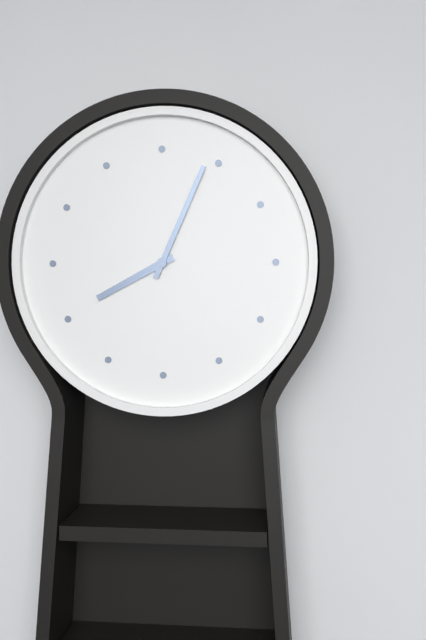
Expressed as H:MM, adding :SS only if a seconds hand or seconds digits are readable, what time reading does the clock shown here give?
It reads 8:04
